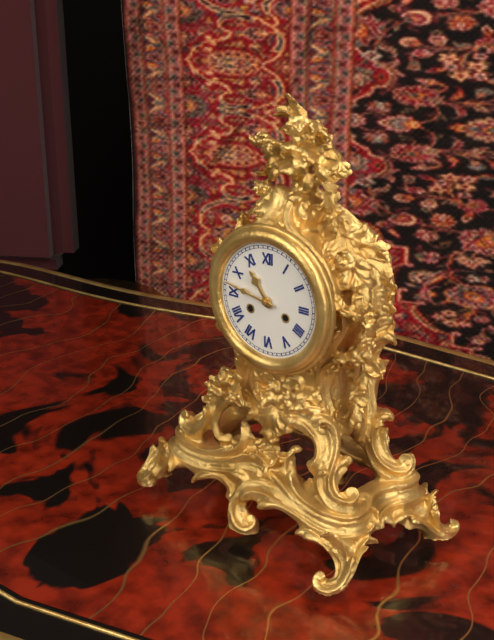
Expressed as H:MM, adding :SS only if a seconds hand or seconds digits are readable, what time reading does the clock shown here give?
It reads 10:47
